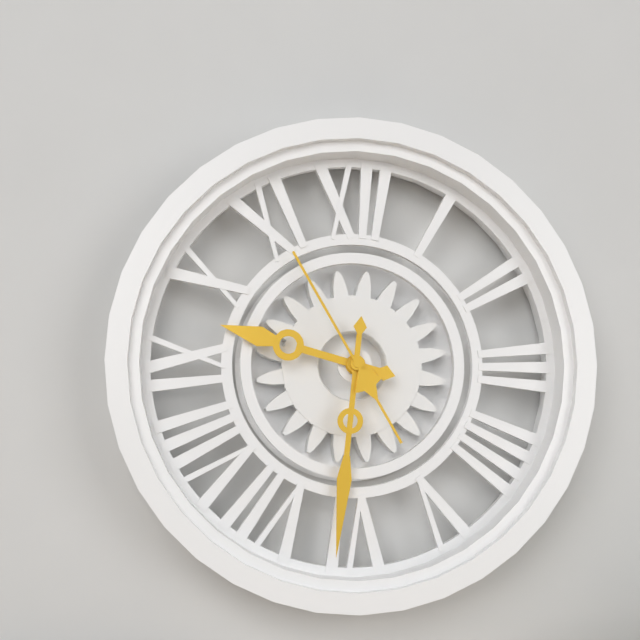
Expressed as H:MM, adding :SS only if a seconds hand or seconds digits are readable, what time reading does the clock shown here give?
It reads 9:31:55
